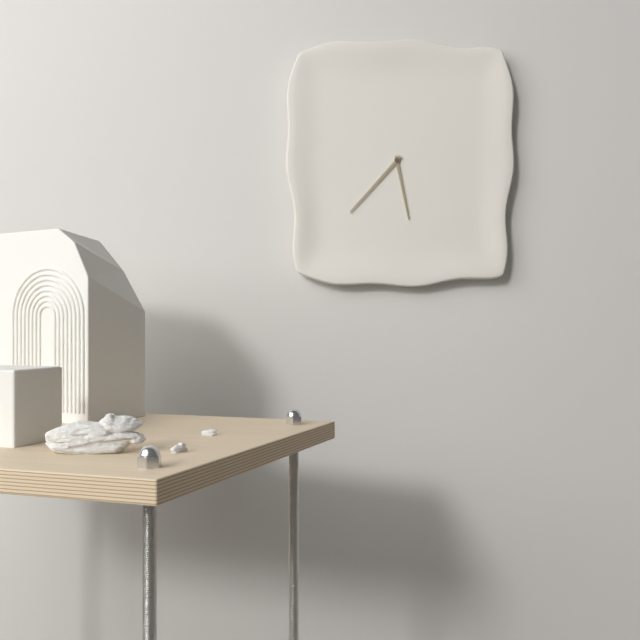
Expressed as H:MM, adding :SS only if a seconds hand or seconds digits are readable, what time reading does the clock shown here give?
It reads 5:37
